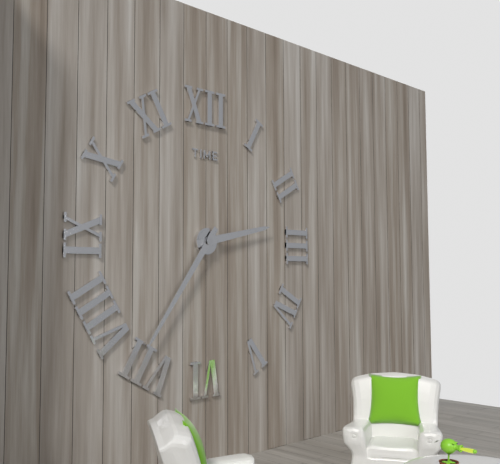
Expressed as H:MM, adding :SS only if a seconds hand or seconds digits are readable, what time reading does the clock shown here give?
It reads 2:36
